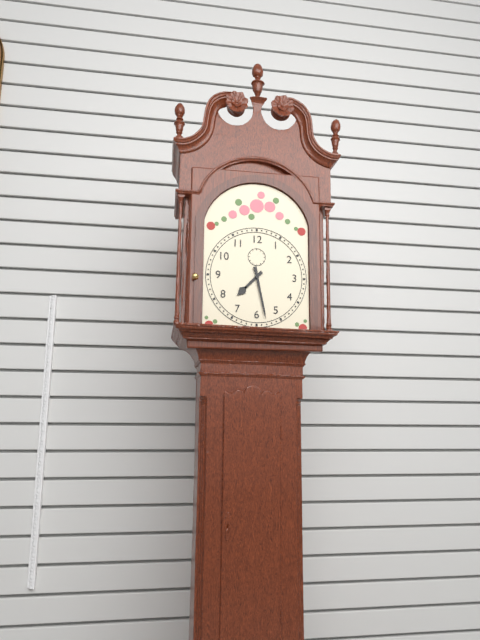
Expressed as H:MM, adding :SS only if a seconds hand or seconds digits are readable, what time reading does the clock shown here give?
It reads 7:28
